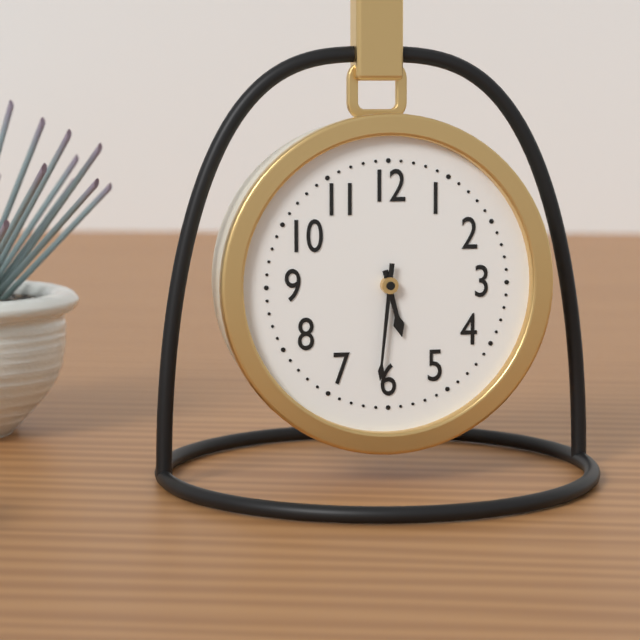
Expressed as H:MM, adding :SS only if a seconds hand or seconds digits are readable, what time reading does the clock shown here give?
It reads 5:31
